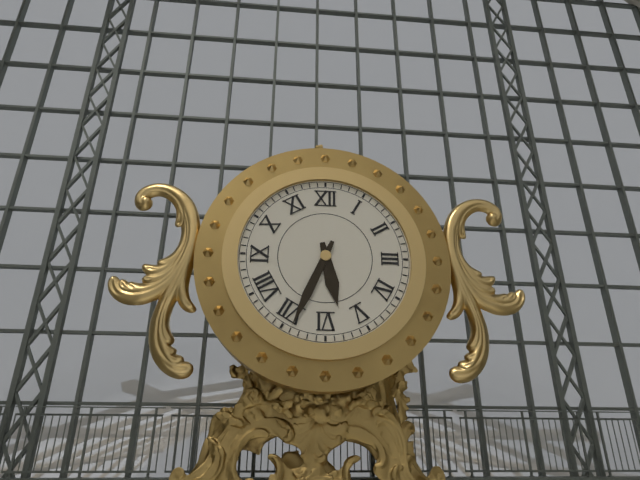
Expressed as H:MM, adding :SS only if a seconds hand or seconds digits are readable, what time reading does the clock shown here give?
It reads 5:34
